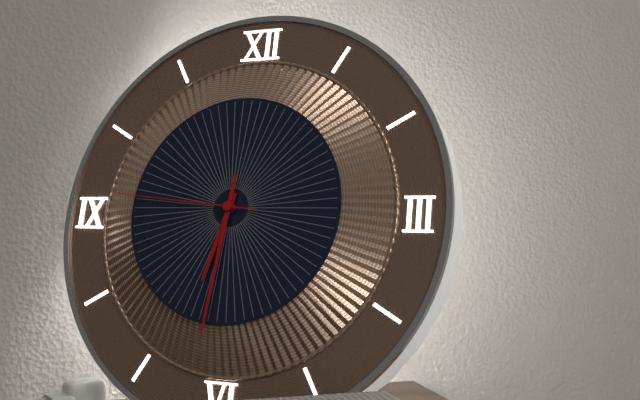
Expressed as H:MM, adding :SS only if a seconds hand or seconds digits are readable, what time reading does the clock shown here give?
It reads 6:31:46
